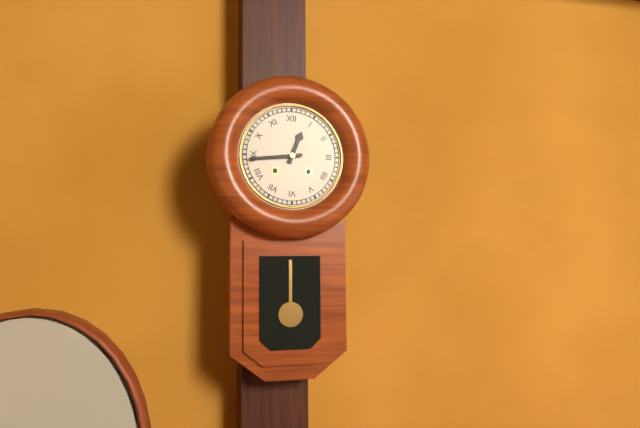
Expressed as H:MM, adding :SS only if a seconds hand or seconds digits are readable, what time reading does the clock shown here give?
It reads 12:44
